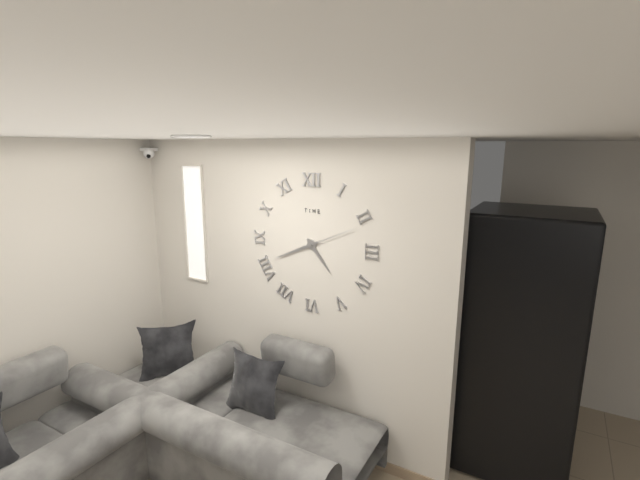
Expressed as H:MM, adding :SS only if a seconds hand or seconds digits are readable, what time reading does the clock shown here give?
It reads 4:41:11
